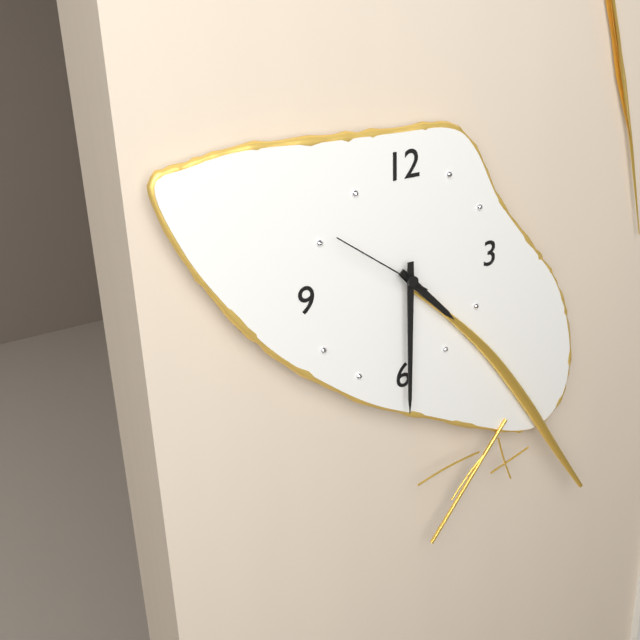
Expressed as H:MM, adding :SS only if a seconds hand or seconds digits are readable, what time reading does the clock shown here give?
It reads 4:30:51
